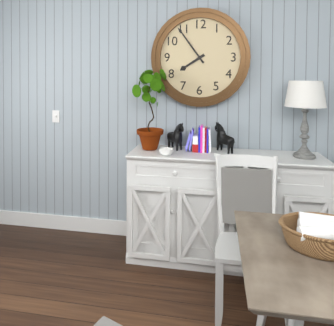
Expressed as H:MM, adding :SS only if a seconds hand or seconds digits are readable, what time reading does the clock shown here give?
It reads 7:54
